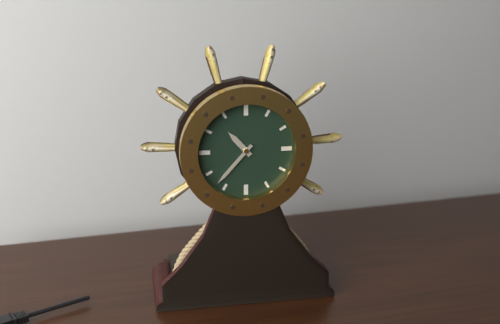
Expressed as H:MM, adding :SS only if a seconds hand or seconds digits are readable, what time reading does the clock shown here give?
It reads 10:37
